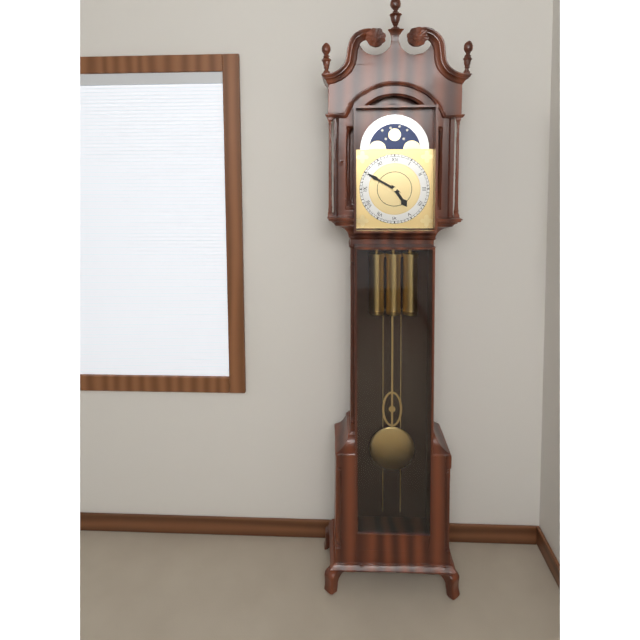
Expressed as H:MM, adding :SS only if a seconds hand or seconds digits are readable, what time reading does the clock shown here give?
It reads 4:50
